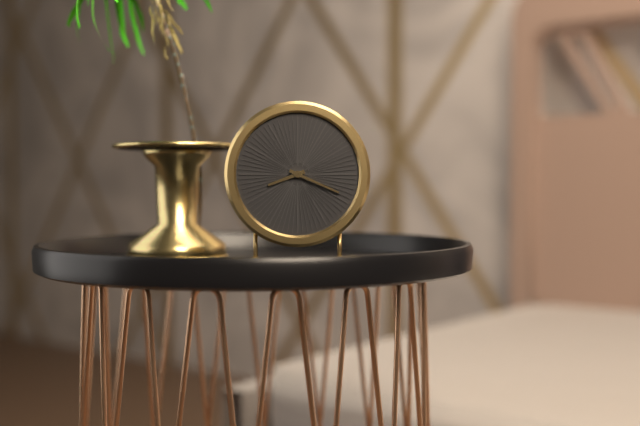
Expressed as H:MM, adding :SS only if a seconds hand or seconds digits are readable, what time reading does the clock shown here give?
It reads 8:19
